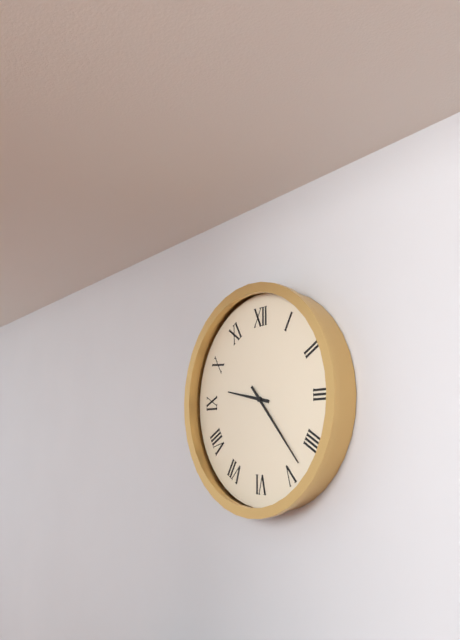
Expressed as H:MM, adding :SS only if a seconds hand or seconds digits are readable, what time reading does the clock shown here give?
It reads 9:23
